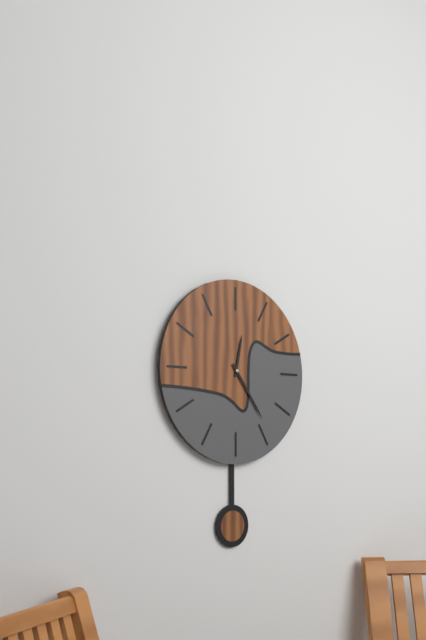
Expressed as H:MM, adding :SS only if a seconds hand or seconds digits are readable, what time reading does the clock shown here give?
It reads 12:24
